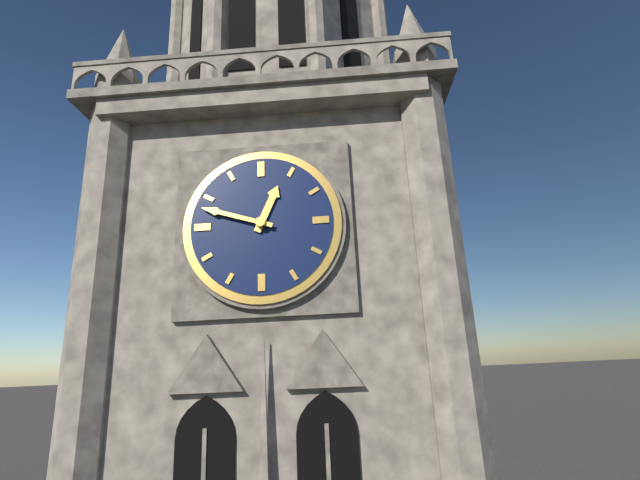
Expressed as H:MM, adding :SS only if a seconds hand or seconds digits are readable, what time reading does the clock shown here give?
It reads 12:48
